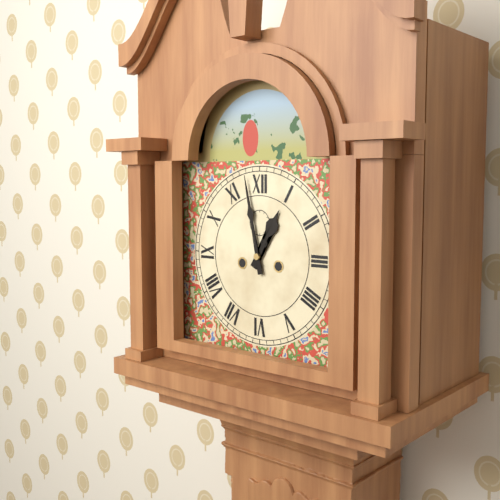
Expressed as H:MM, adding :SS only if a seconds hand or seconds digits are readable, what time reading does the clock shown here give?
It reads 12:58
